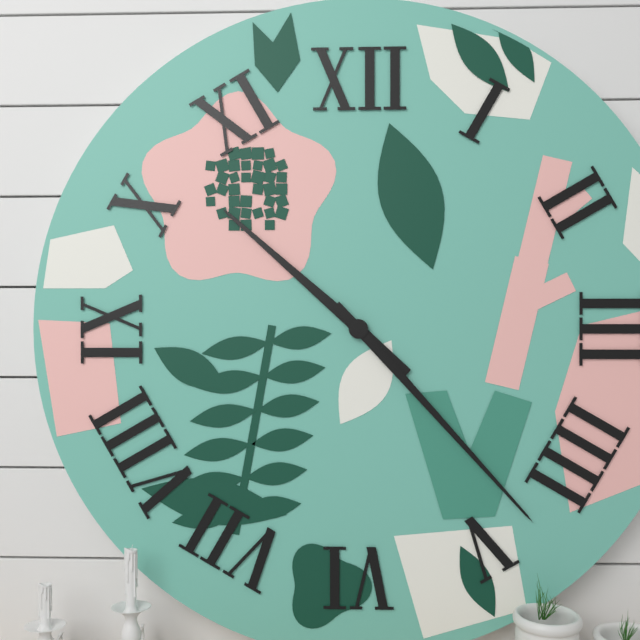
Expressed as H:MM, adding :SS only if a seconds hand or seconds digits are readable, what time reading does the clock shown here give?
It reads 10:23
